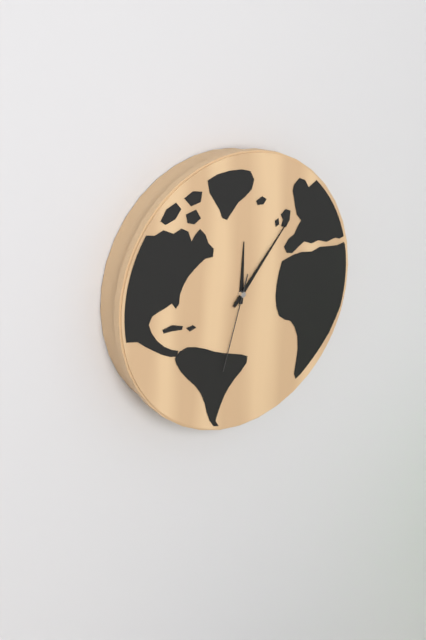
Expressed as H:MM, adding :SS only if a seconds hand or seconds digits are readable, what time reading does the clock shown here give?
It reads 12:07:33
